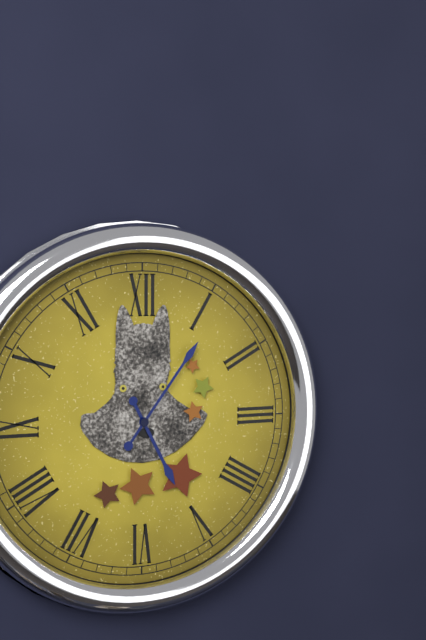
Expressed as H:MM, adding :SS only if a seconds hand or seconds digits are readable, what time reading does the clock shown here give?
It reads 5:06
